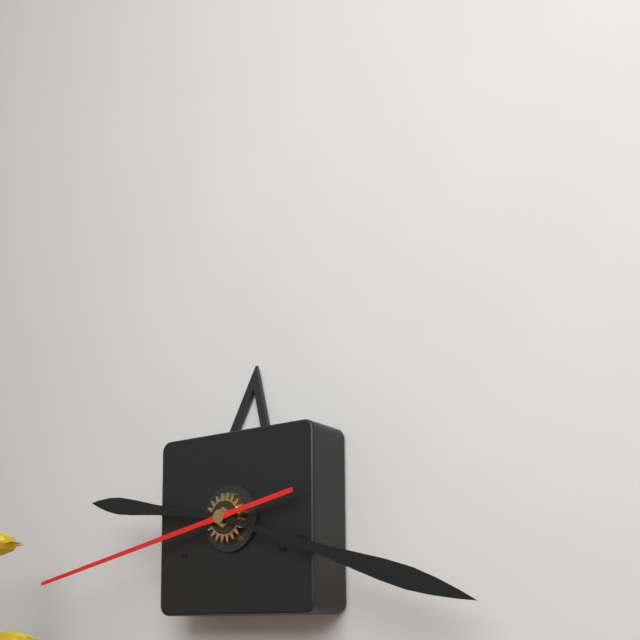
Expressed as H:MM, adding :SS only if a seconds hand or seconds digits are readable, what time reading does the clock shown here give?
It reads 9:18:43
